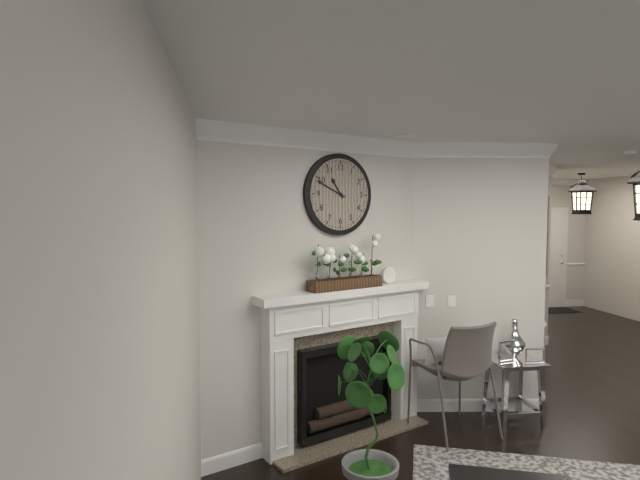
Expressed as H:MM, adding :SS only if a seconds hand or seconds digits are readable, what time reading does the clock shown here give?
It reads 10:49
